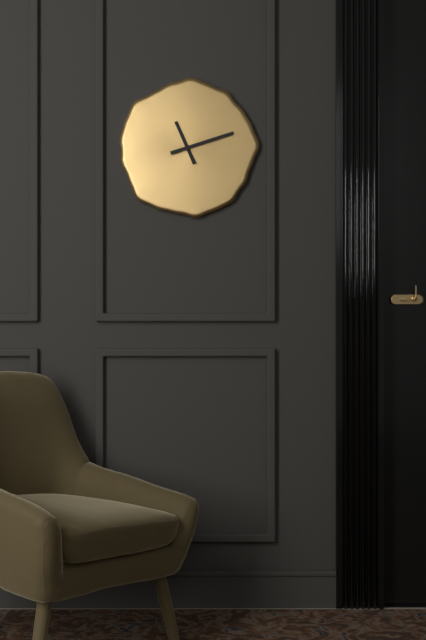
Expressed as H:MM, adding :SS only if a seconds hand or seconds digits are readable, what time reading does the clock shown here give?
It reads 11:12
